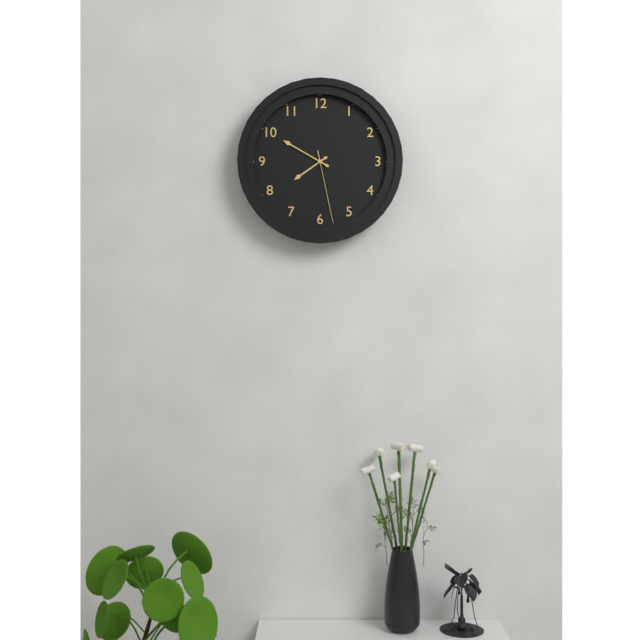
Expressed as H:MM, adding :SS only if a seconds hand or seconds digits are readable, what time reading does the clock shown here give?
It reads 7:50:28
